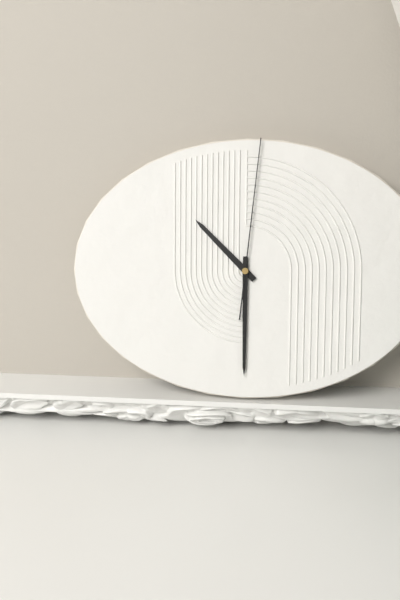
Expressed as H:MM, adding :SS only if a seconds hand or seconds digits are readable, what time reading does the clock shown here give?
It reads 10:30:01
